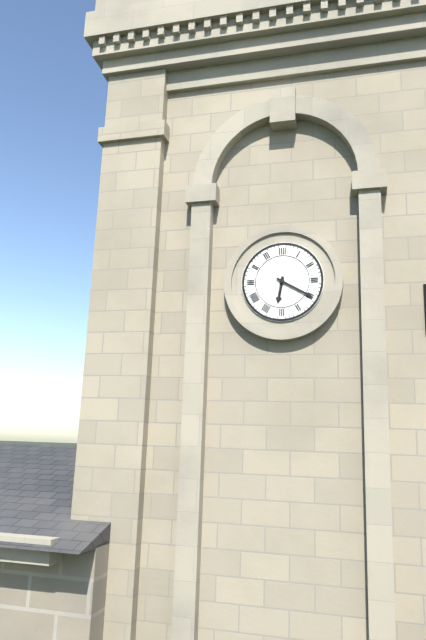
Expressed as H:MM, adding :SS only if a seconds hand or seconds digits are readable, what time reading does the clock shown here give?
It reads 6:20
